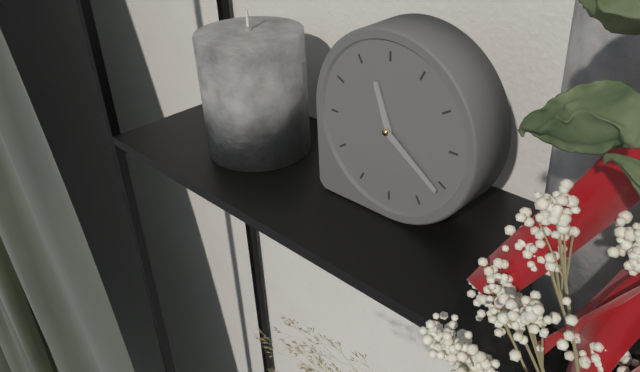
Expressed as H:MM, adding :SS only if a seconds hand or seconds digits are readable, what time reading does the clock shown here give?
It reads 11:21
